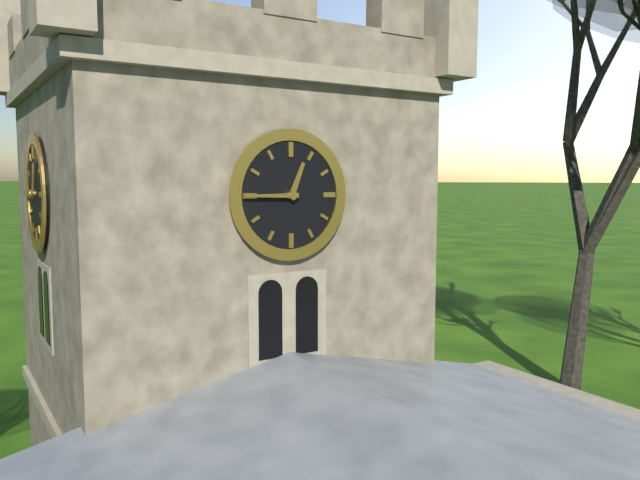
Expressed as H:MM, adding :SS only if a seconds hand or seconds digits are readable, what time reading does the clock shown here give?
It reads 12:45
